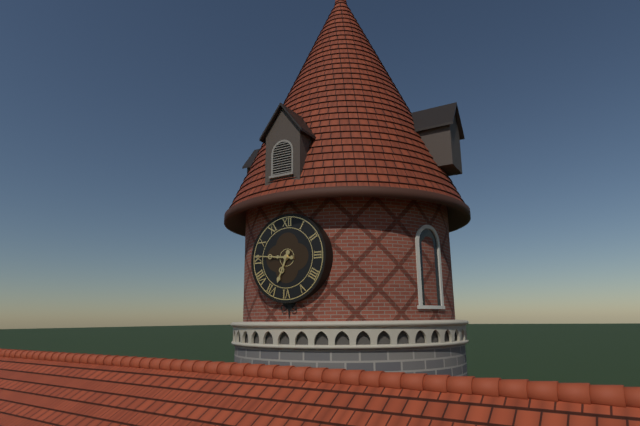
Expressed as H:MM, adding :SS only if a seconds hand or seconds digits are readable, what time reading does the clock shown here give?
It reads 6:46
